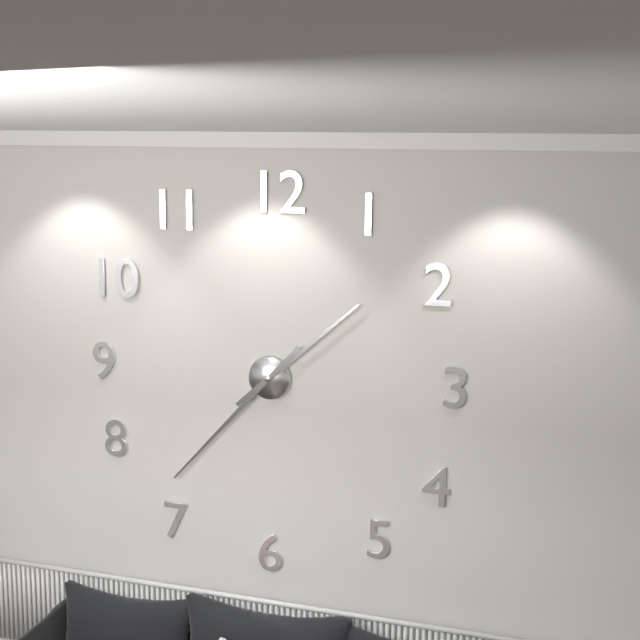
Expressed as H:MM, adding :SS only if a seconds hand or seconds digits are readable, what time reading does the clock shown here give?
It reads 1:37
